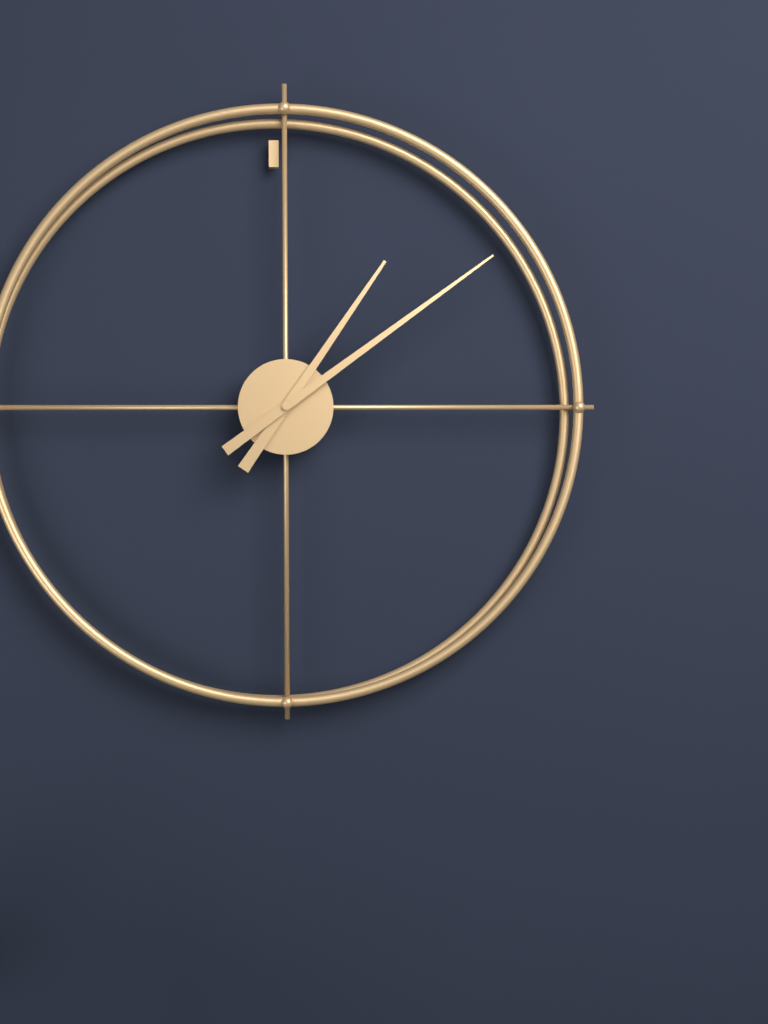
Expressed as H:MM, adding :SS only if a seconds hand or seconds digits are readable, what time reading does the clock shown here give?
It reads 1:09
